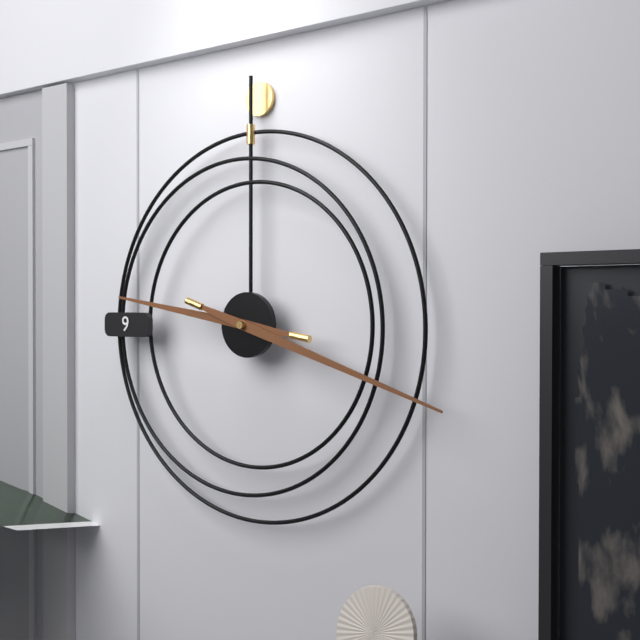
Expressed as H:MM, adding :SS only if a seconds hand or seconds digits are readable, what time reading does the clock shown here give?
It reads 9:18
